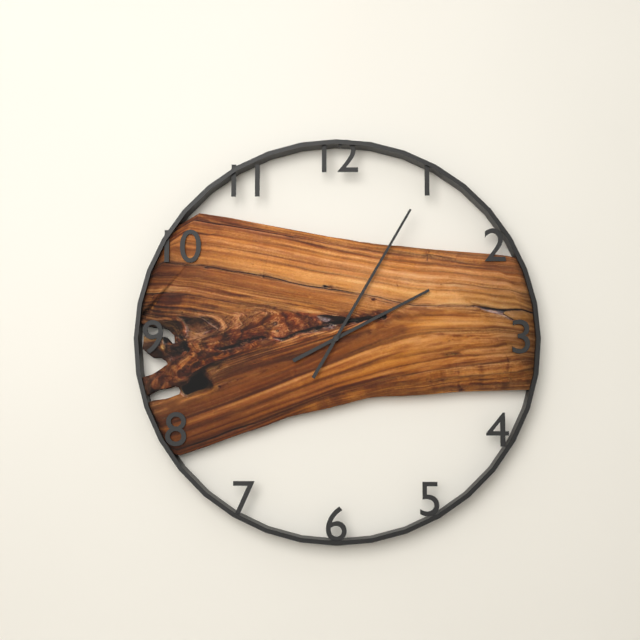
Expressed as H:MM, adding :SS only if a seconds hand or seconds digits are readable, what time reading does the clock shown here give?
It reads 2:05
